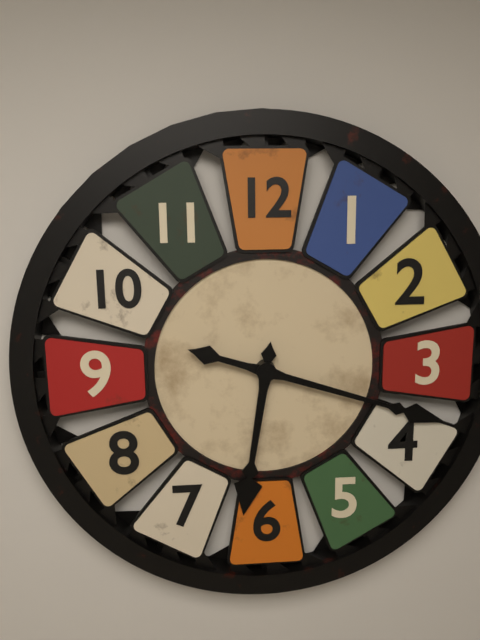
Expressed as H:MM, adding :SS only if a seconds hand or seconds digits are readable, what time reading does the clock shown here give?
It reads 6:18
